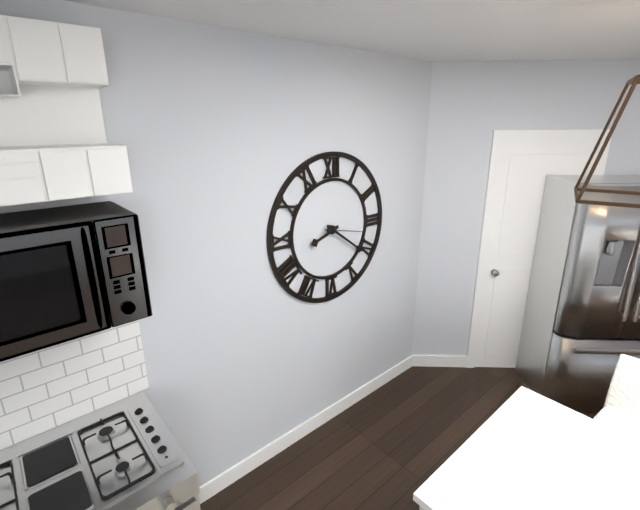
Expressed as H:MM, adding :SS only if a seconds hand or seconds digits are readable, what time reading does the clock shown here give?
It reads 8:21
